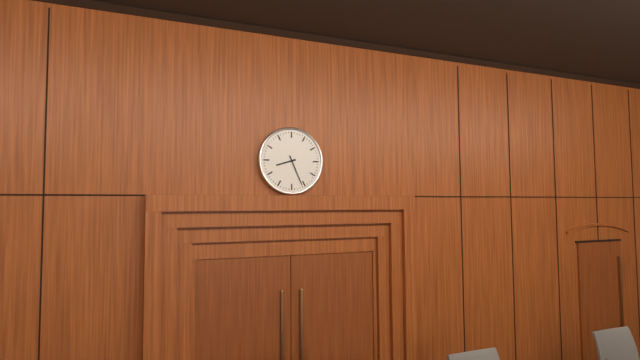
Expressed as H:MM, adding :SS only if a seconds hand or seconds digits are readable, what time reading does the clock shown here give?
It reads 8:26
